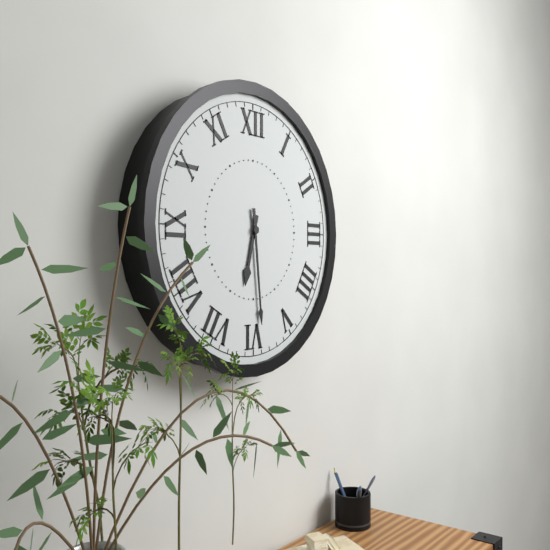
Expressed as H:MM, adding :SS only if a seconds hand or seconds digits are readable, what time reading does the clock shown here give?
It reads 6:29
